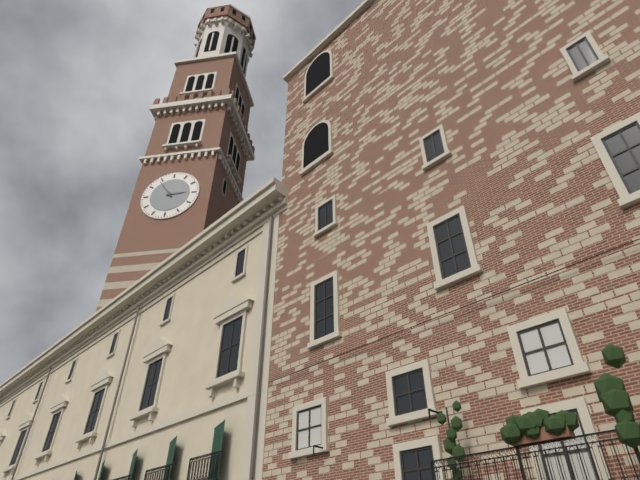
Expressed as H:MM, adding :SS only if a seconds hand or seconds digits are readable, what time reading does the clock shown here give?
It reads 2:54
